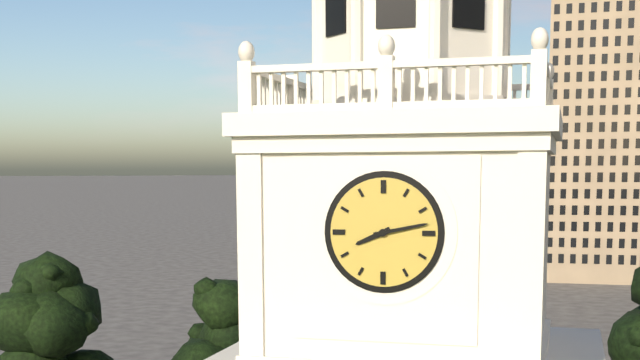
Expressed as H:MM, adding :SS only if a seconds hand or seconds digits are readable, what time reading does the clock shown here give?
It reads 8:13
